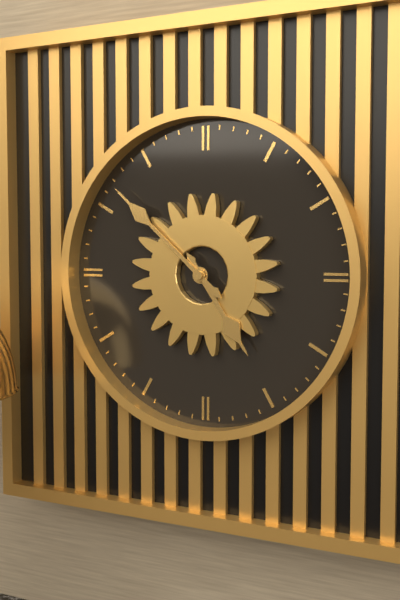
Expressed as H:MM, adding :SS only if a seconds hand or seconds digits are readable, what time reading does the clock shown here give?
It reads 4:52
